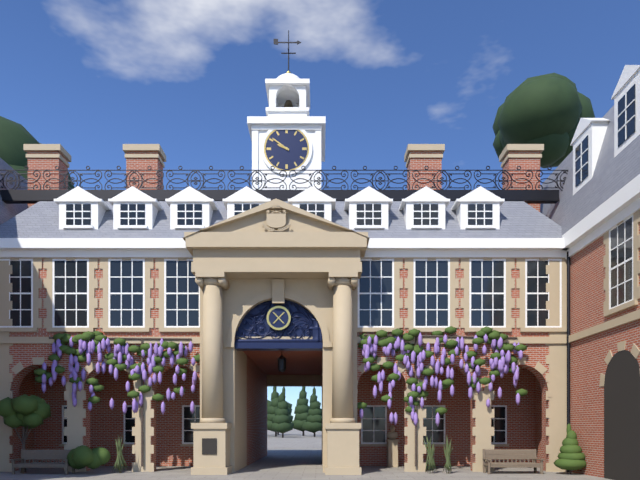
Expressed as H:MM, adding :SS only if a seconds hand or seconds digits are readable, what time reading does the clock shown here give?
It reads 9:51
